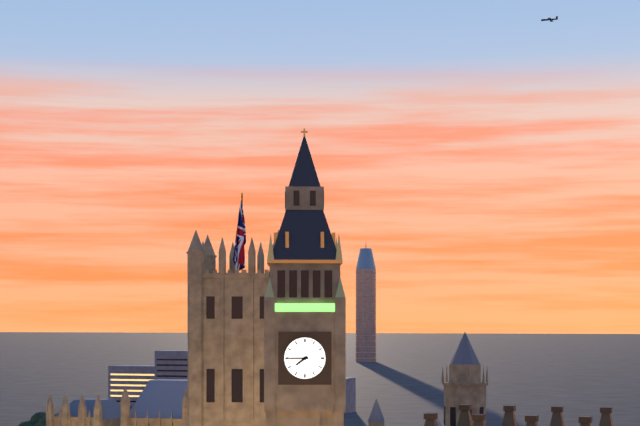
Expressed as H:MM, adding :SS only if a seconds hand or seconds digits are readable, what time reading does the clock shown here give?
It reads 7:45
